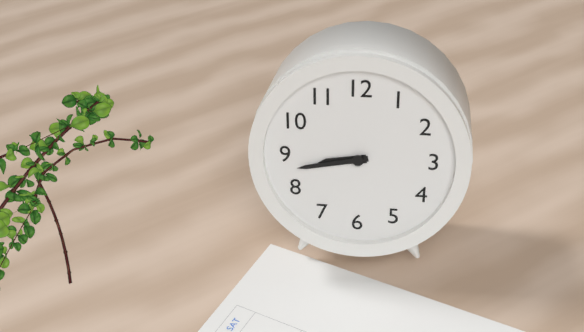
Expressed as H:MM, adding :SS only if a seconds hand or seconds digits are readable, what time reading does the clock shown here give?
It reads 8:43
